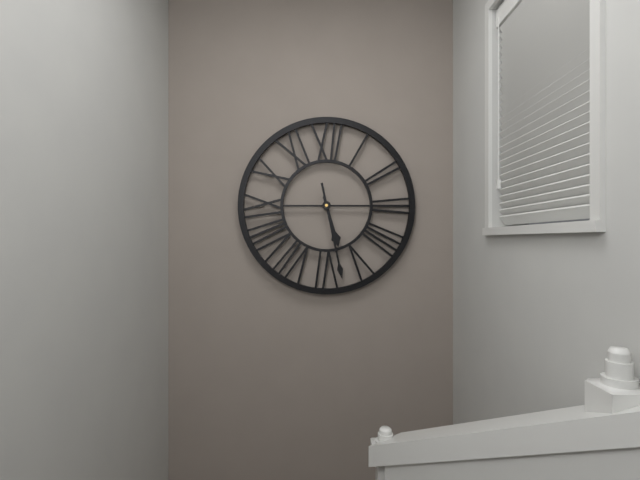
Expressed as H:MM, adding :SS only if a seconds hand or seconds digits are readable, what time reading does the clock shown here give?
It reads 5:28
